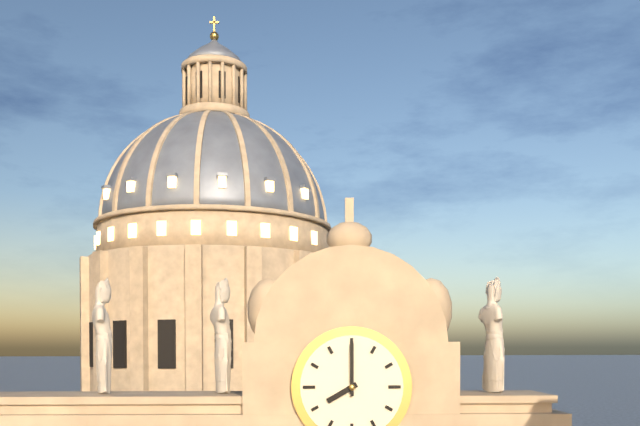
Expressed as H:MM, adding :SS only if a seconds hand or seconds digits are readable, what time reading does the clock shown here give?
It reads 8:00
